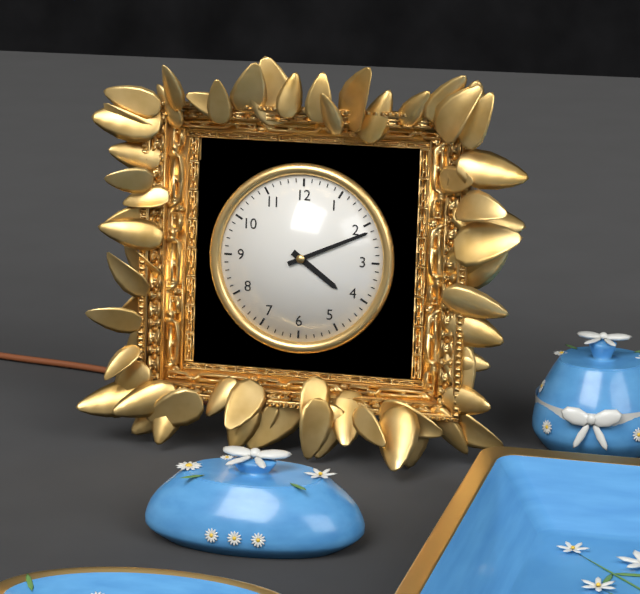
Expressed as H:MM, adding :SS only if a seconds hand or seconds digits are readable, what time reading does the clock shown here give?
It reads 4:11
